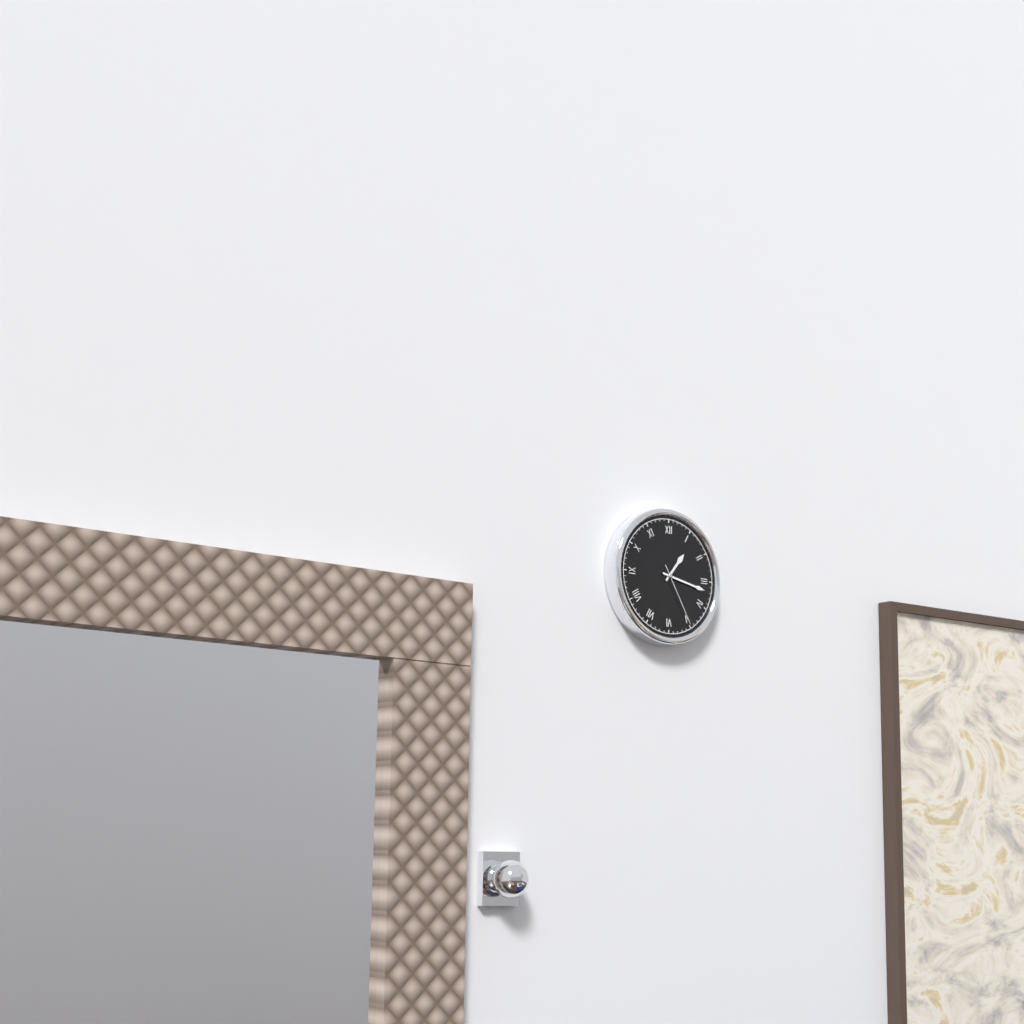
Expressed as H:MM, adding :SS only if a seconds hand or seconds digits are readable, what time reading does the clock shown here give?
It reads 1:17:25
